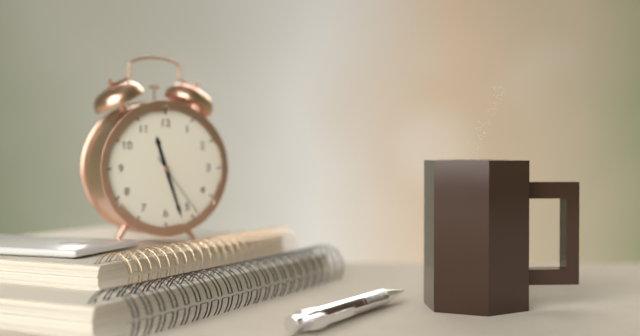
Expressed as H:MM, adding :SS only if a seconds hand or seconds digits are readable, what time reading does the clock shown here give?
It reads 11:27:24
